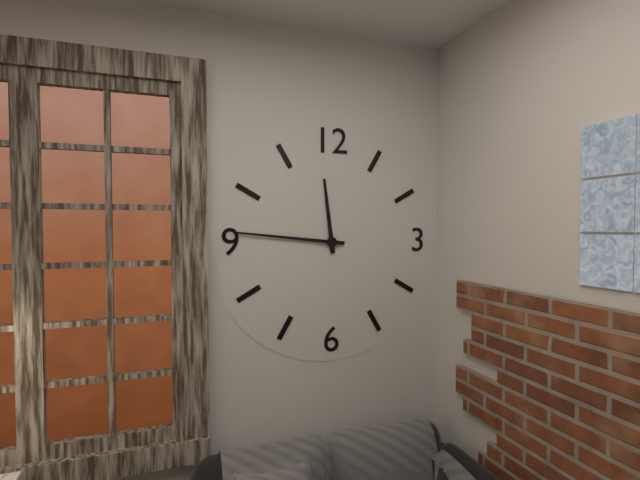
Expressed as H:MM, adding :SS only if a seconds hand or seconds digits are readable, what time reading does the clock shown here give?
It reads 11:46
